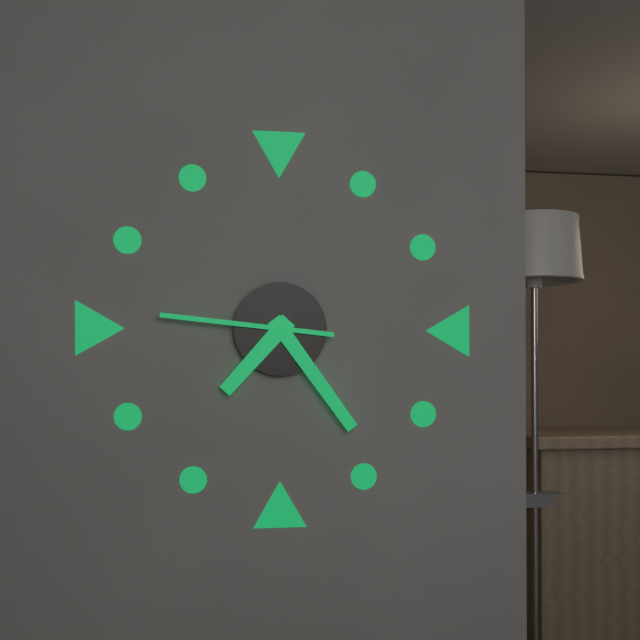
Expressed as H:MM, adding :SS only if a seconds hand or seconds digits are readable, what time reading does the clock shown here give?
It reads 7:24:46
